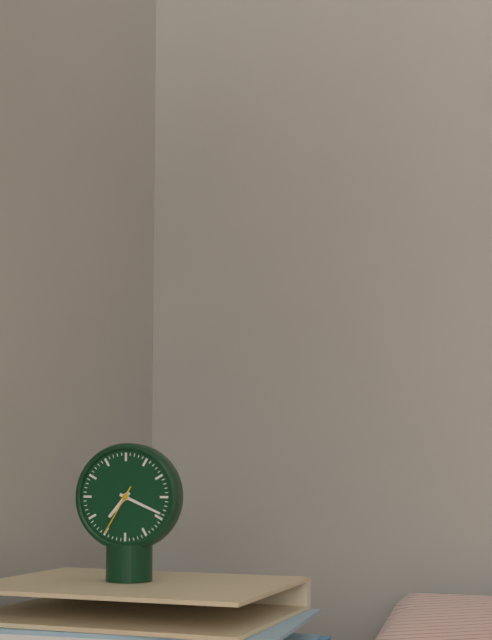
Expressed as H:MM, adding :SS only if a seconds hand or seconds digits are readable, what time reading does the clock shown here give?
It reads 7:19:35
